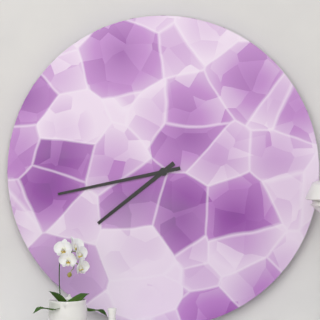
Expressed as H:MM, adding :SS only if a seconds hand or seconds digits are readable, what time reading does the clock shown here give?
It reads 7:43
